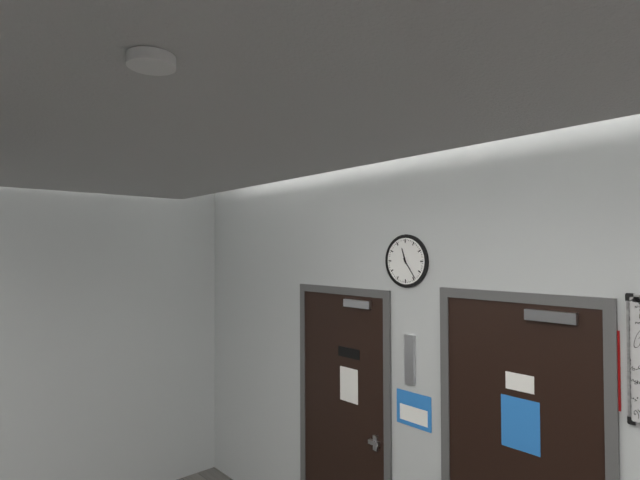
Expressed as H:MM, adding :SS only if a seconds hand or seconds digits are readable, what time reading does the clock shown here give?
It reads 11:24
